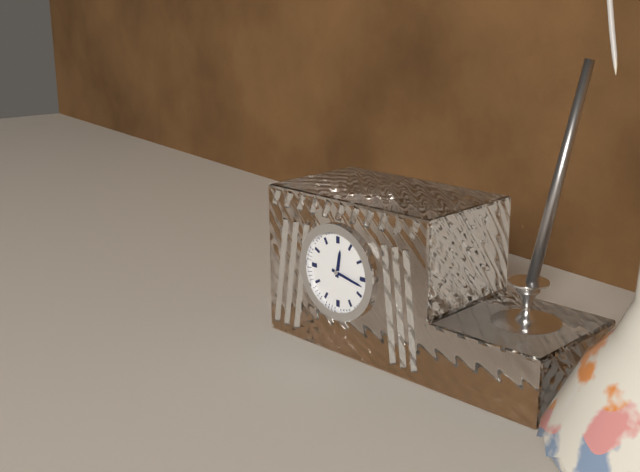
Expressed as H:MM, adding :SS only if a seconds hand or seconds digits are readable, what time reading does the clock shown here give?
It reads 12:17
